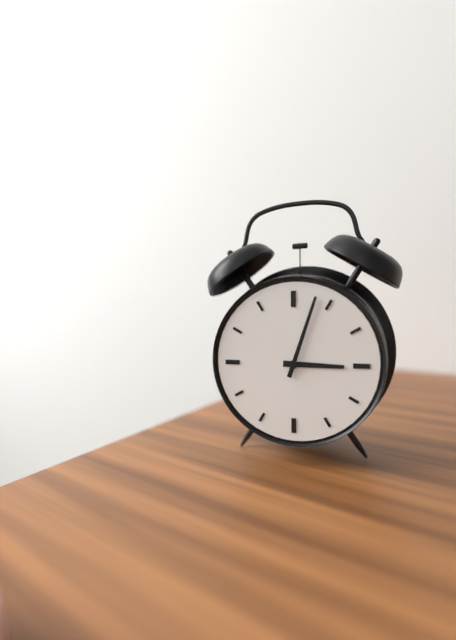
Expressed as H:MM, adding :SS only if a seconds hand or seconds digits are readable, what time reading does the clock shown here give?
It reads 3:03
